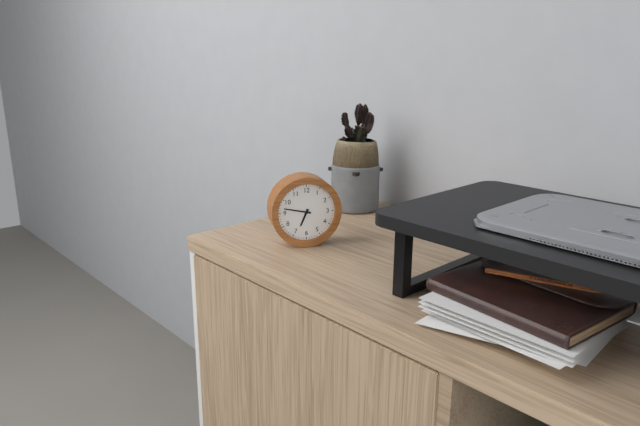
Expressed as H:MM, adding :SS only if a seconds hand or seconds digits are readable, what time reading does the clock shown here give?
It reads 6:47
